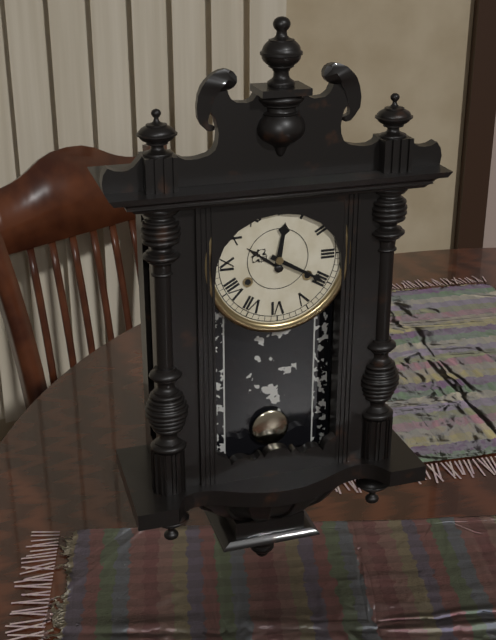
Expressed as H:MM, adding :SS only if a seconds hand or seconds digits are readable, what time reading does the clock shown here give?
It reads 12:20
